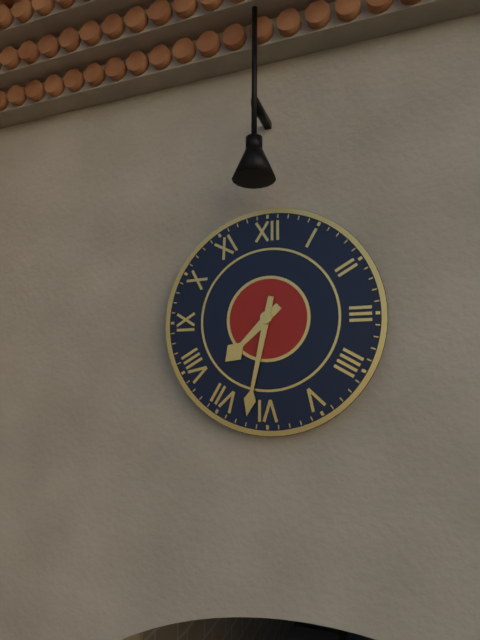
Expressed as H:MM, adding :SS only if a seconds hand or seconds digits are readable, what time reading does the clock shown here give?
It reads 7:32
